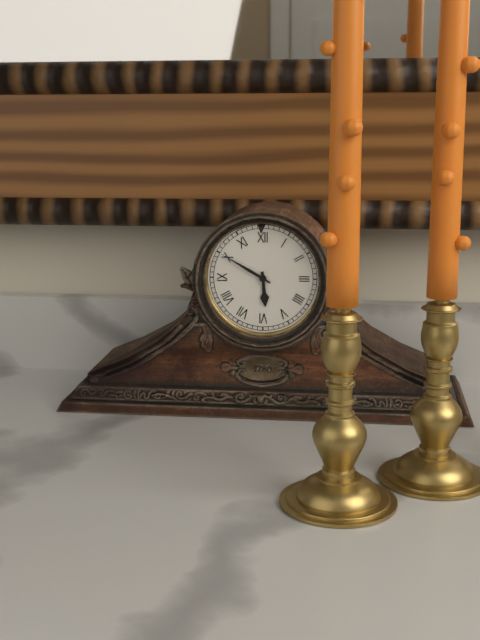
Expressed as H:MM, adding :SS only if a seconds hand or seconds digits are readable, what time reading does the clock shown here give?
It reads 5:50
